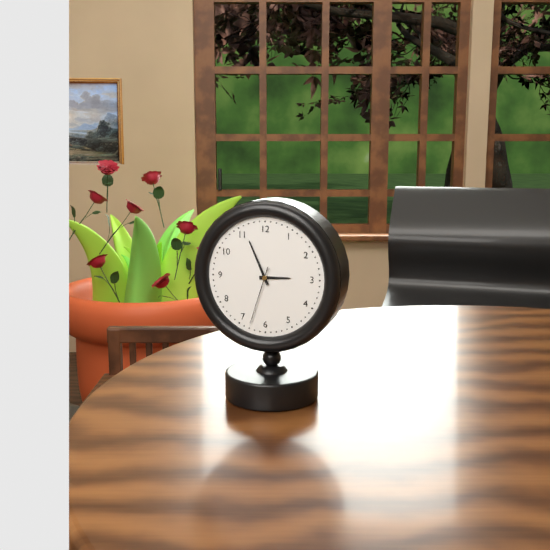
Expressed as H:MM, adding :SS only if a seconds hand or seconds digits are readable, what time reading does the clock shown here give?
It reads 2:56:33
